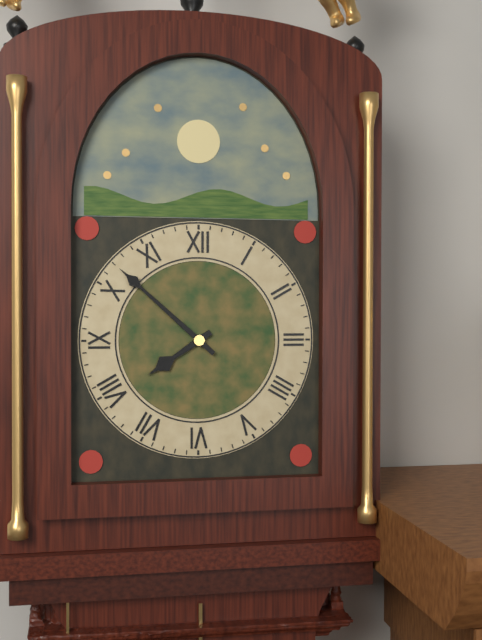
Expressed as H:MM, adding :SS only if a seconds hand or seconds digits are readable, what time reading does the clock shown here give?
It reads 7:52
